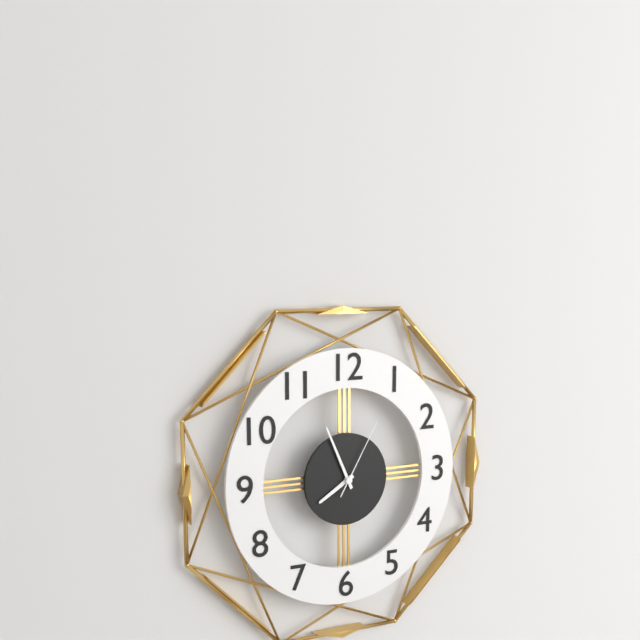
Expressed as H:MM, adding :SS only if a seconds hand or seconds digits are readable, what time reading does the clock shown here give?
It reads 7:56:05
